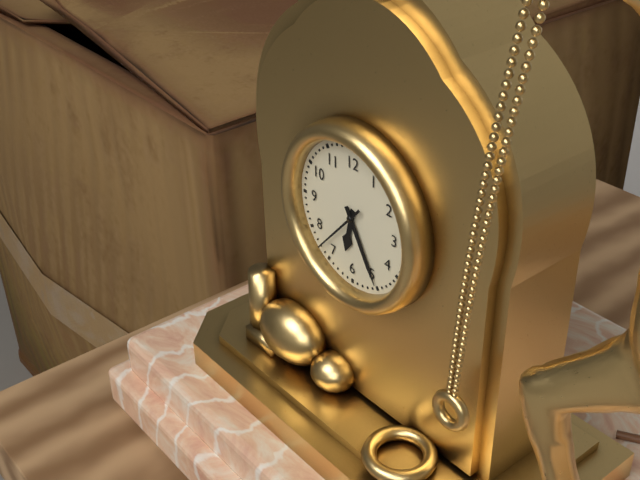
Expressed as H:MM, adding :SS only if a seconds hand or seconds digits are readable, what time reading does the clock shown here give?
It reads 6:25:37
